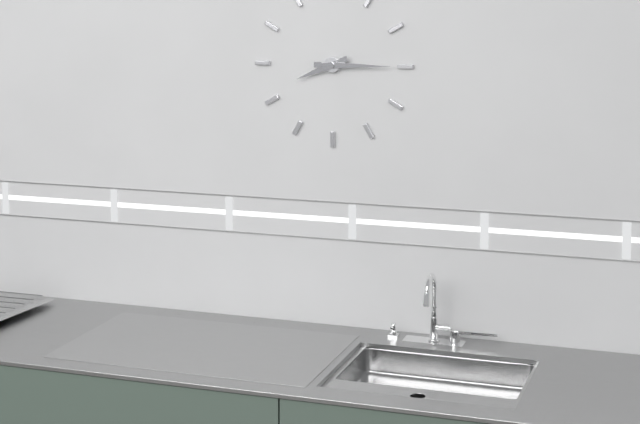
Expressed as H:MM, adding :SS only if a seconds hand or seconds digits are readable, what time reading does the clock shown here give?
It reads 8:15
